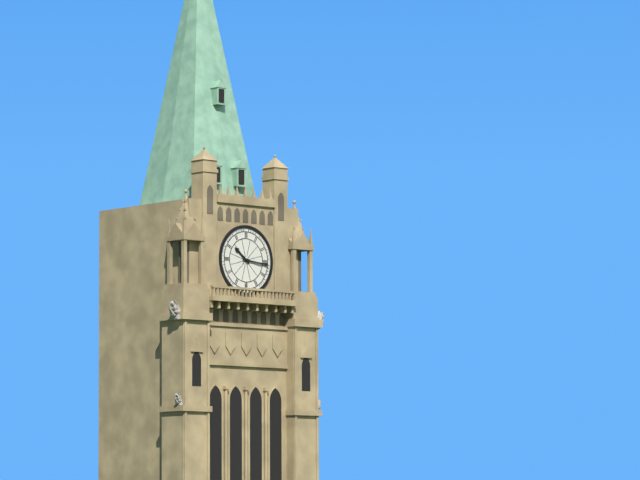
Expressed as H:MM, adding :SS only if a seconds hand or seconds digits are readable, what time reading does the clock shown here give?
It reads 10:16
